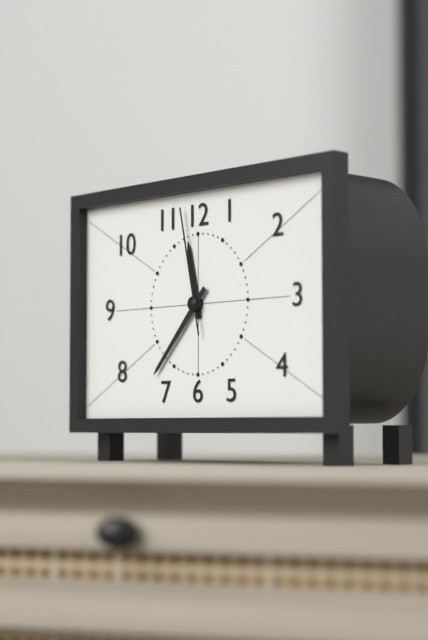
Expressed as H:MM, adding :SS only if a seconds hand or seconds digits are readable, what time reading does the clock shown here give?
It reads 11:37:58
